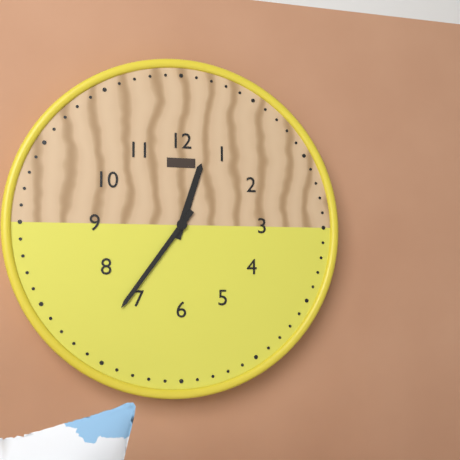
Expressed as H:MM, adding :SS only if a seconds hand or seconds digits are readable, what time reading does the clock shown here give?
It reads 12:36
